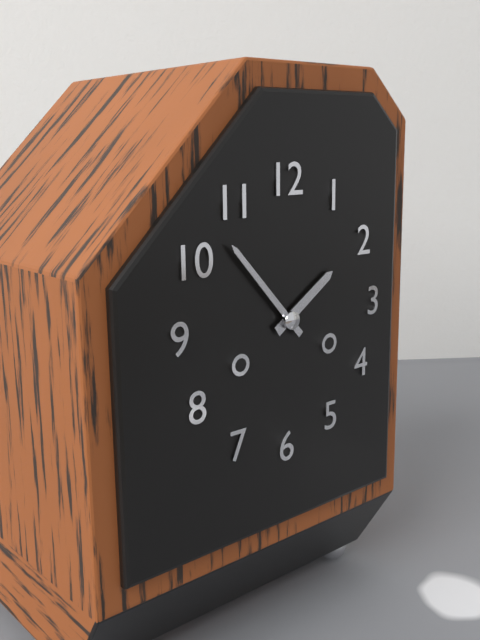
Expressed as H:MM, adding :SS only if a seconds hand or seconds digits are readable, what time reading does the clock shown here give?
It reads 1:53
